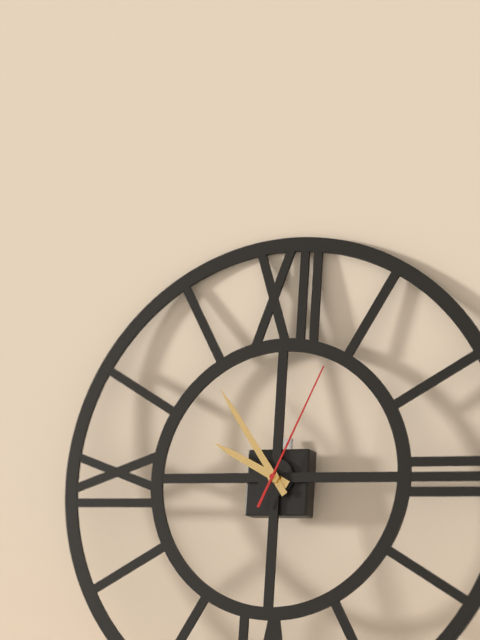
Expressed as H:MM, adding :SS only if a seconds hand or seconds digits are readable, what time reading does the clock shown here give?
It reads 9:54:04
